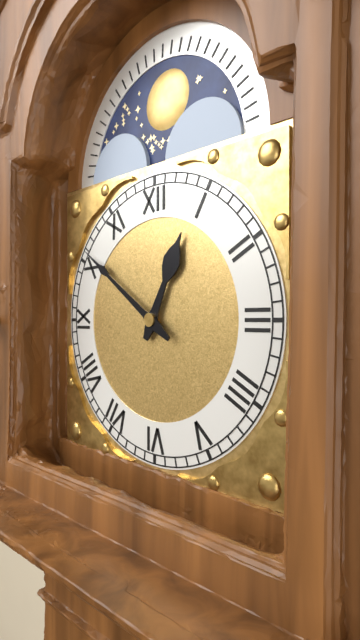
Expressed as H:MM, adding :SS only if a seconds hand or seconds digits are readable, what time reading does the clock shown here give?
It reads 12:51
